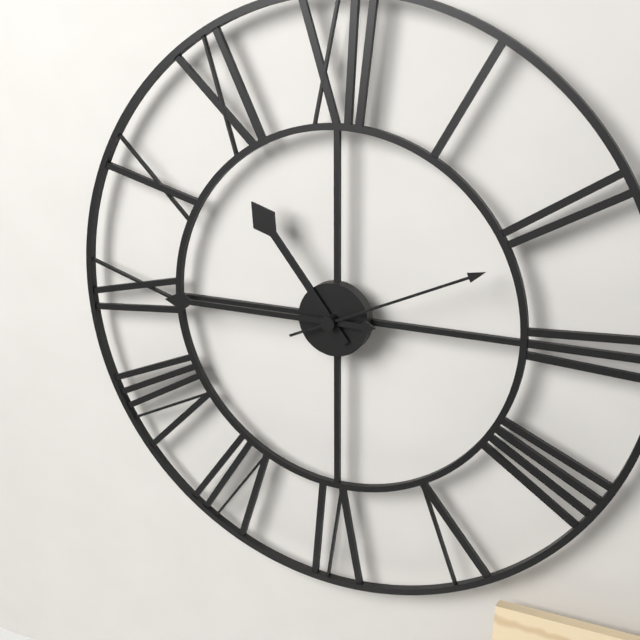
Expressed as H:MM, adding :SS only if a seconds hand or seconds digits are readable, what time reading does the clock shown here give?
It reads 10:45:11
